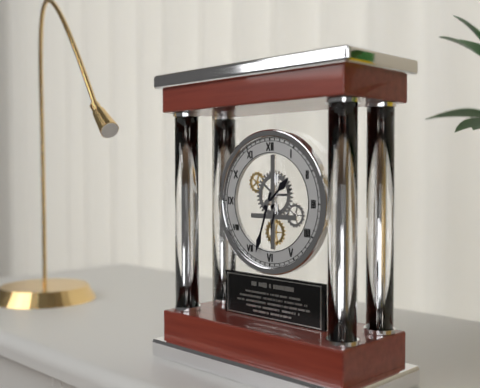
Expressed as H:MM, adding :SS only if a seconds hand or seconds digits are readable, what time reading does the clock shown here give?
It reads 1:33
